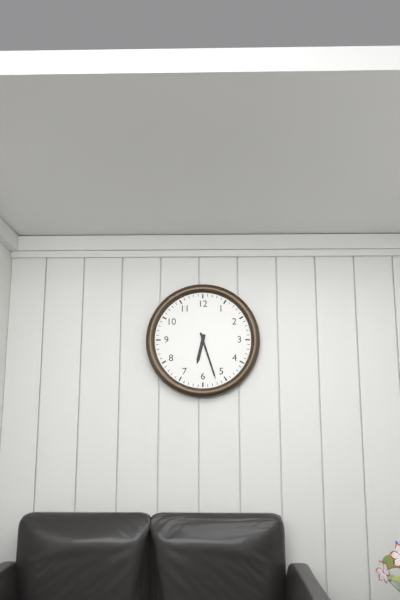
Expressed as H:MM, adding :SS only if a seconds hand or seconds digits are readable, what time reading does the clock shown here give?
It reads 6:27
